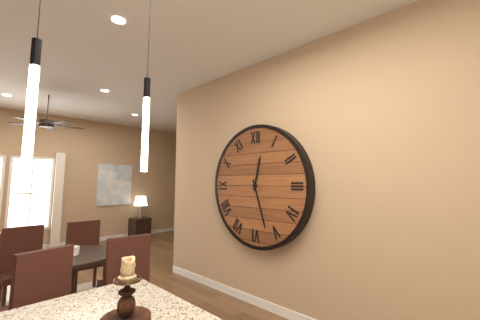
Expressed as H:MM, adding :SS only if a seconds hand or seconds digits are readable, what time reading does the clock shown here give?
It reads 12:27
